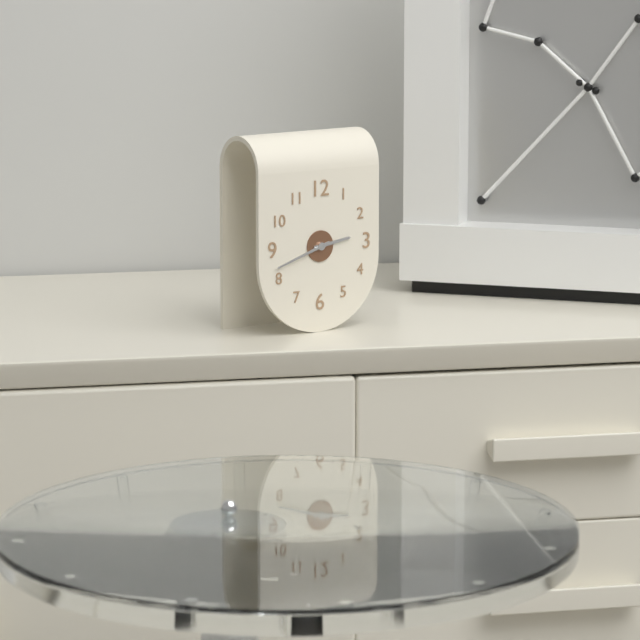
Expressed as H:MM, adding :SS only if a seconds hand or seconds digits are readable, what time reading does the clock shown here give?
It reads 2:42
